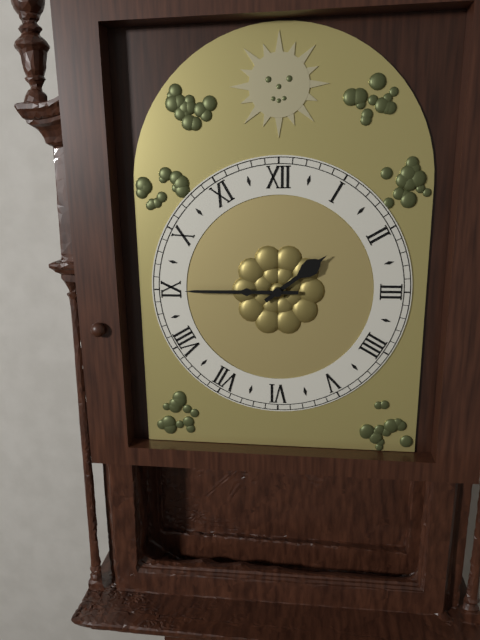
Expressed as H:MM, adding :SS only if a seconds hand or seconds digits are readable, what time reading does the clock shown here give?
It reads 1:45
